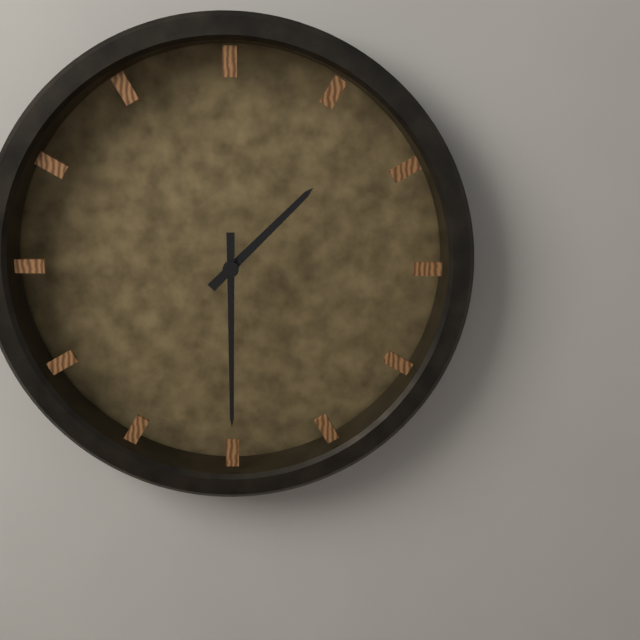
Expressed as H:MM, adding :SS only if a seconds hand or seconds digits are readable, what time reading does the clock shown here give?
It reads 1:30
